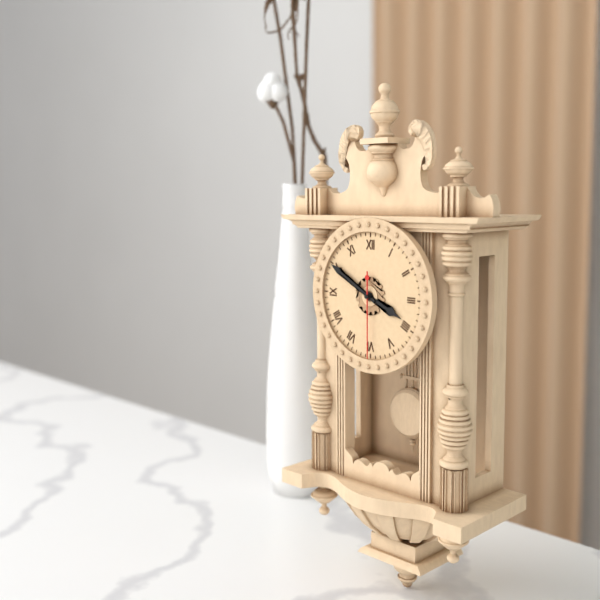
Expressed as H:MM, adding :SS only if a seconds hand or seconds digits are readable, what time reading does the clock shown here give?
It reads 3:50:30
